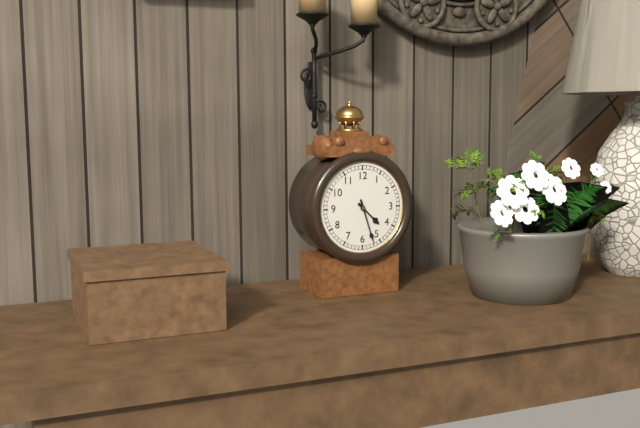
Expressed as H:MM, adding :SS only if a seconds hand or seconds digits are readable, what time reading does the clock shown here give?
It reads 4:27
